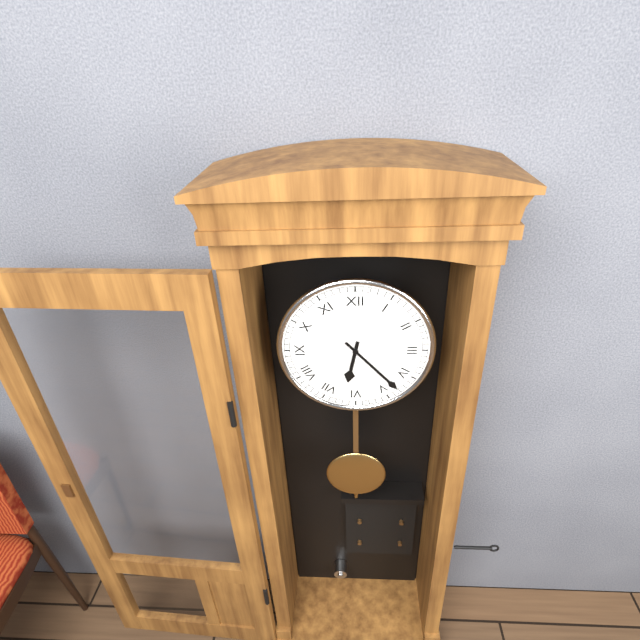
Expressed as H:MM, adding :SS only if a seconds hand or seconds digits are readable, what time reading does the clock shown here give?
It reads 6:23
